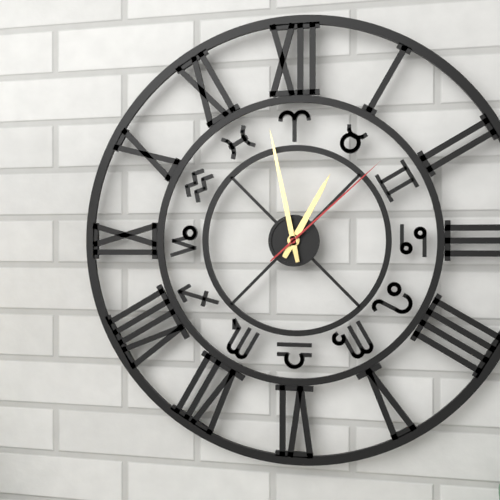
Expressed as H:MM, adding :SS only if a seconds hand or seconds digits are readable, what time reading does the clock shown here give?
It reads 12:58:08
